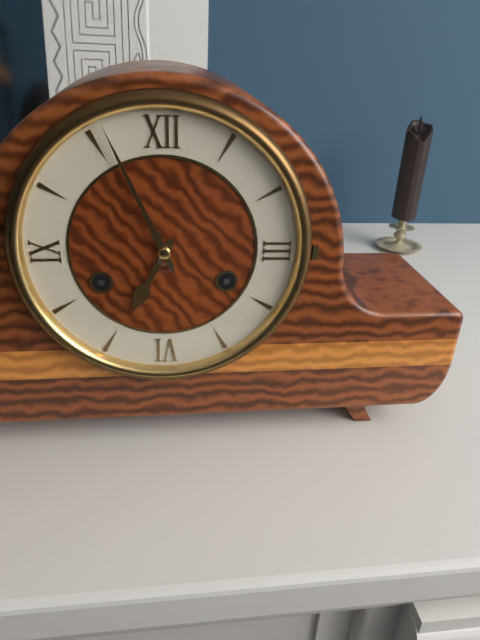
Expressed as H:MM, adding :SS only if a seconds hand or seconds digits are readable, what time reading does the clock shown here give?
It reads 6:56
